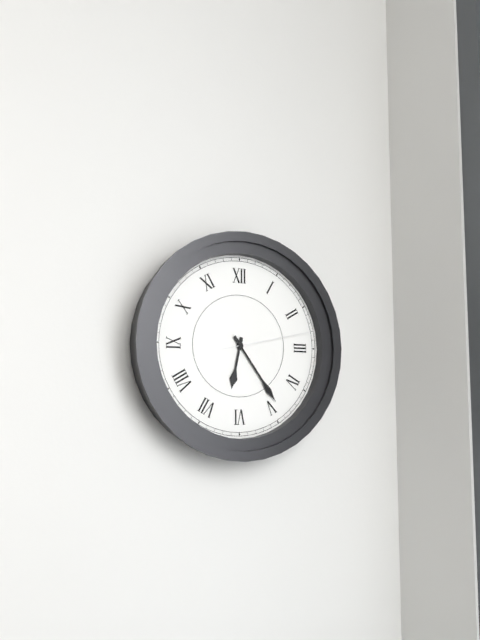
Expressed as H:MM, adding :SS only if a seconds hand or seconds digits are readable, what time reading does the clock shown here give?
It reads 6:24:13
